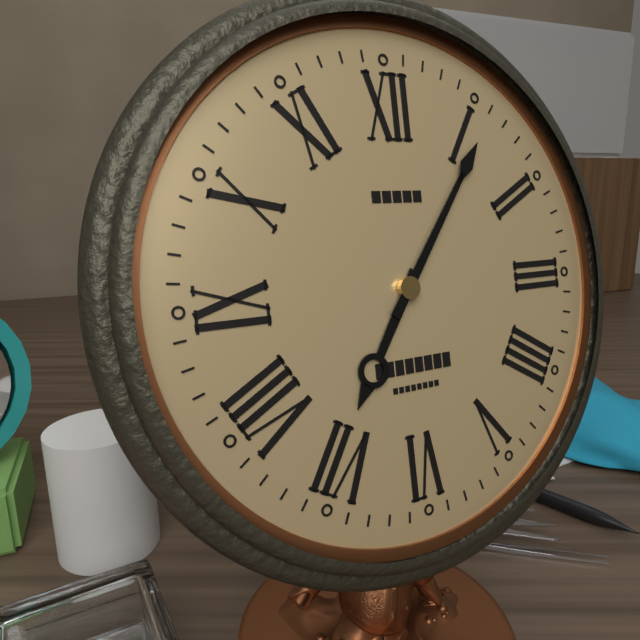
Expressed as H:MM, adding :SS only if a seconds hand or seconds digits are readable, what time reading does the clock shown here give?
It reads 7:06
